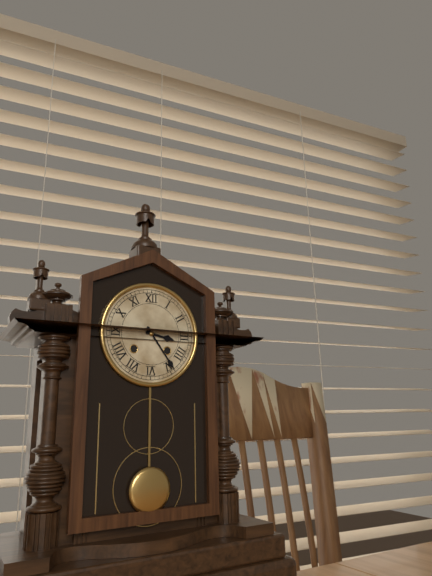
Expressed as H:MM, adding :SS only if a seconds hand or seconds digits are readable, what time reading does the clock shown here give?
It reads 3:24
